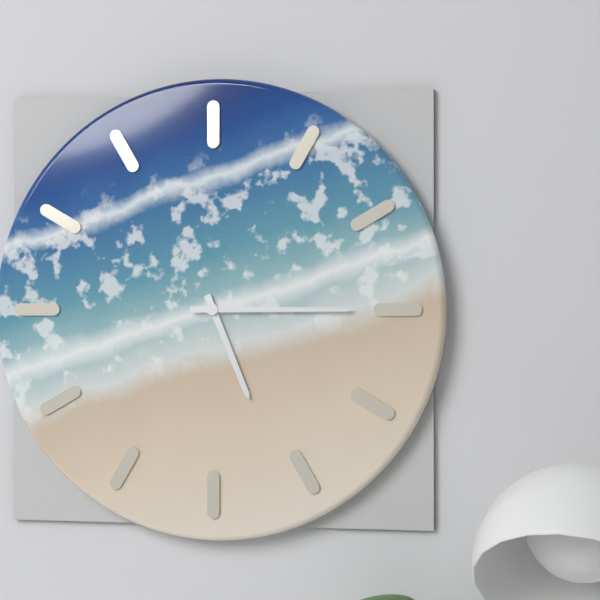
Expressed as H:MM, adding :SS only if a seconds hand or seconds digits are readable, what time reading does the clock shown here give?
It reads 5:15
